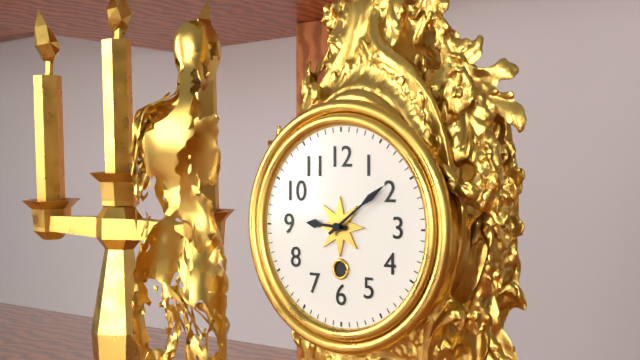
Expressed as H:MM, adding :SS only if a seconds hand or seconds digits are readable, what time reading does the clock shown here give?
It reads 9:09
